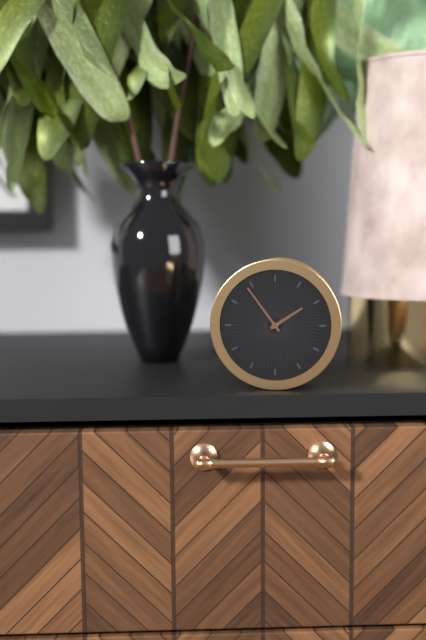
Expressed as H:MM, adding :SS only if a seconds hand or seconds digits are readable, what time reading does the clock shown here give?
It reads 1:54
